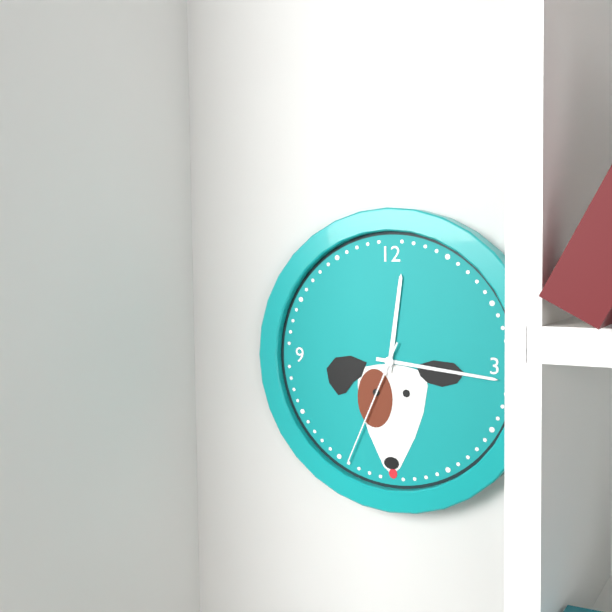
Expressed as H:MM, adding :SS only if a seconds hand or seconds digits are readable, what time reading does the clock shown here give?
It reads 12:16:34
